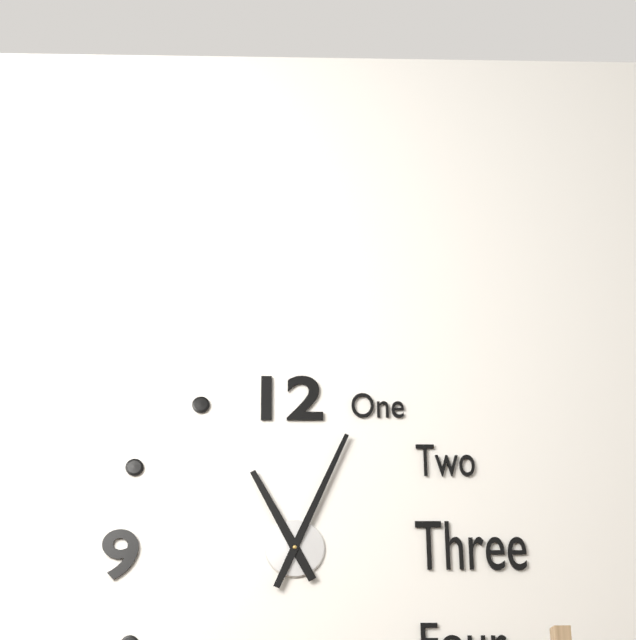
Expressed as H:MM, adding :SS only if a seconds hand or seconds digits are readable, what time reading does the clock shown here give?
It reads 11:04
